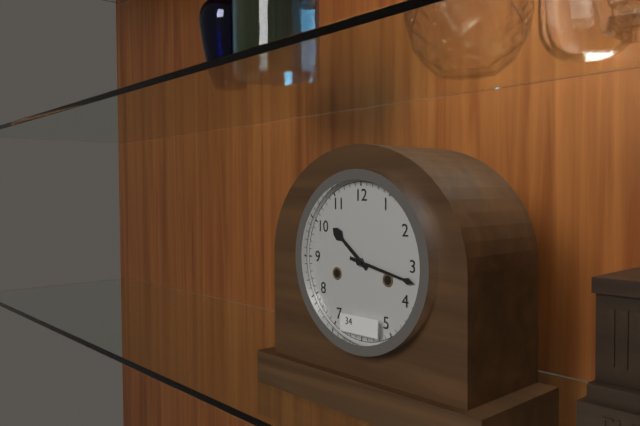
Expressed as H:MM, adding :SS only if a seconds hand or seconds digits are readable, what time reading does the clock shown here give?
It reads 10:17
